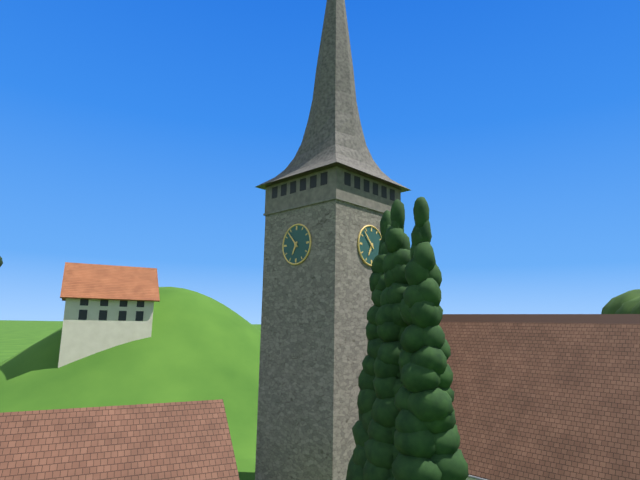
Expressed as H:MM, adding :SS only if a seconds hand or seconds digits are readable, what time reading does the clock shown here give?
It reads 6:53
